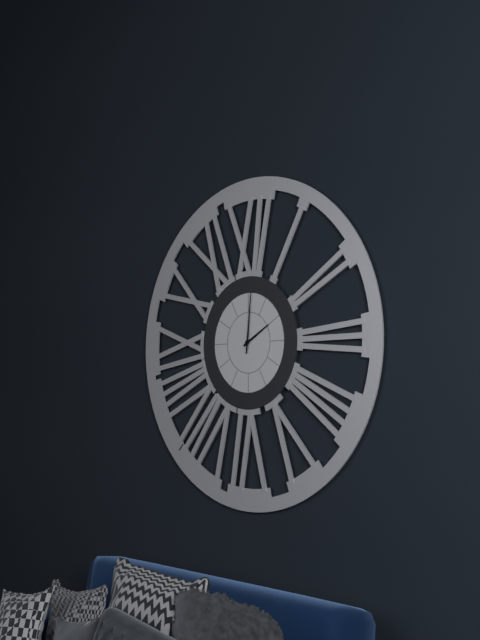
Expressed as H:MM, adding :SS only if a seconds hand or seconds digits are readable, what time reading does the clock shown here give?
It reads 2:01
